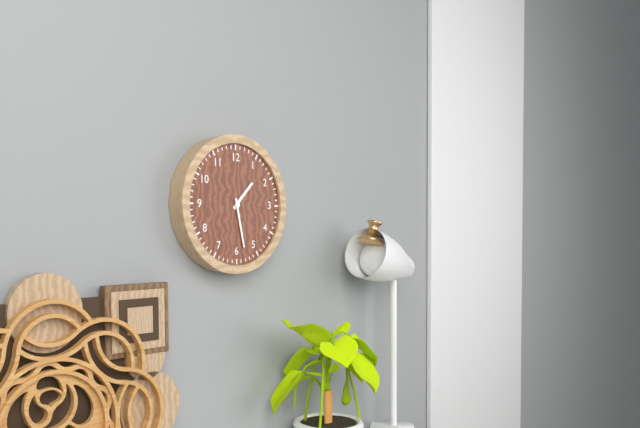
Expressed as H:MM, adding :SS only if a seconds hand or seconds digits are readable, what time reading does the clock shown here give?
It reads 1:28
